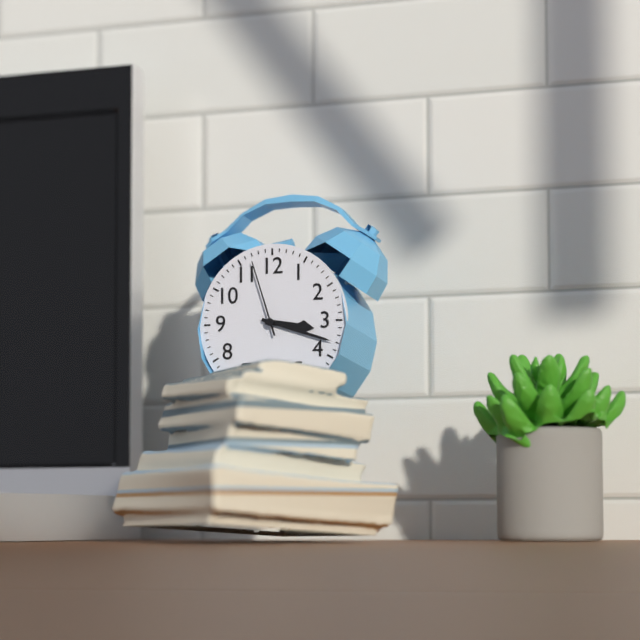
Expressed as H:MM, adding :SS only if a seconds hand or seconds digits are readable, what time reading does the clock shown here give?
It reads 3:18:57
